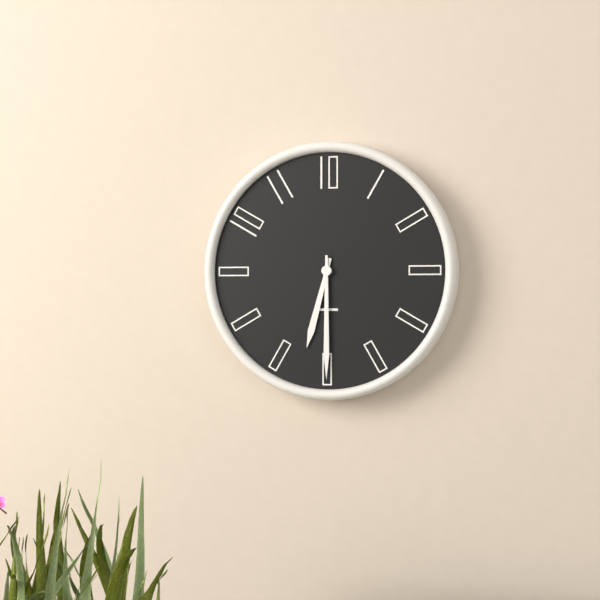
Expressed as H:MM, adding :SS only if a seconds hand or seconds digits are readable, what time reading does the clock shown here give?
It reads 6:30
